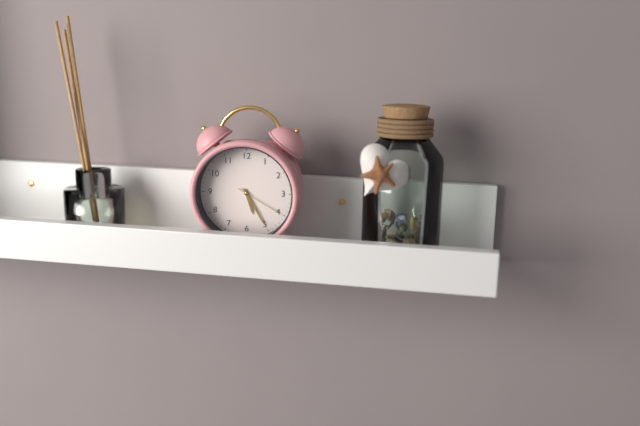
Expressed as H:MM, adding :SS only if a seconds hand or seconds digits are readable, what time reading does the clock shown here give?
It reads 5:25
